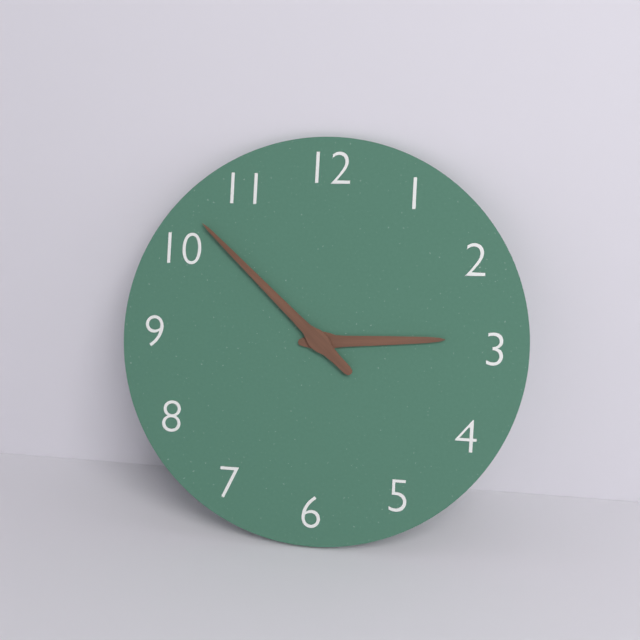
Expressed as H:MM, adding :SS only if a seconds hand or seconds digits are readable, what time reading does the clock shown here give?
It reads 2:52
